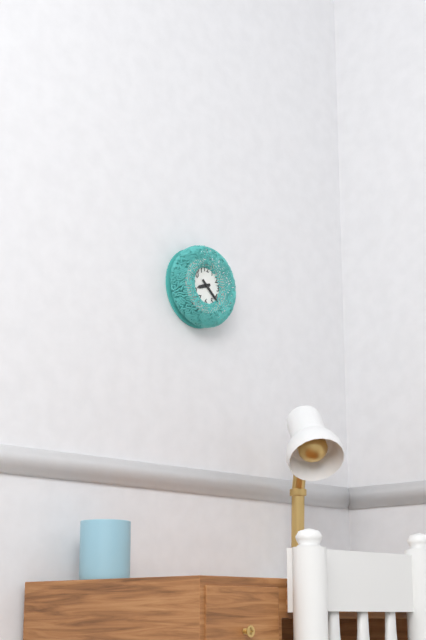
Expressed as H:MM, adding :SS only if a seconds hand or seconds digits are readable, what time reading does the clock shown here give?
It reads 8:22
